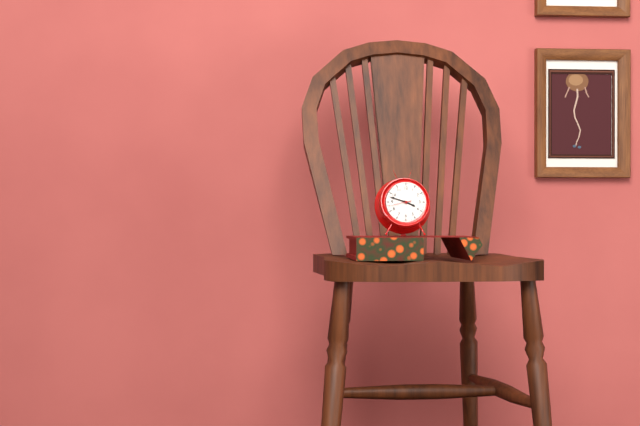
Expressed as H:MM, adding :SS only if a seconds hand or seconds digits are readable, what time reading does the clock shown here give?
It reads 3:48
